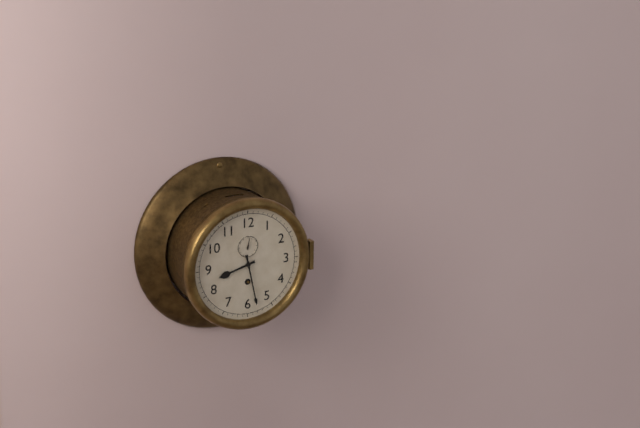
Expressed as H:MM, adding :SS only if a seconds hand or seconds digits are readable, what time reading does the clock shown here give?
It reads 8:28
